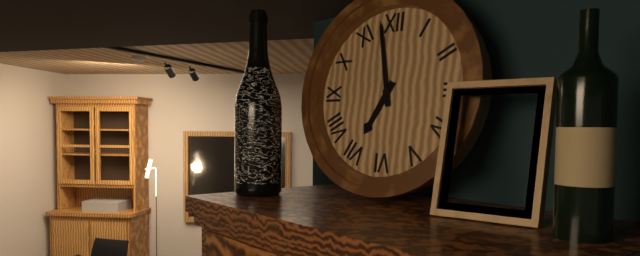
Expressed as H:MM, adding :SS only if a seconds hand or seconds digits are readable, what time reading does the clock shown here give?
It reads 6:58
